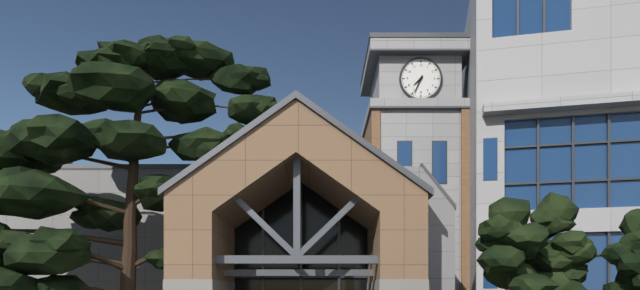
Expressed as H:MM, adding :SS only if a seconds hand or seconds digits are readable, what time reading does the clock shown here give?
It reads 7:34
